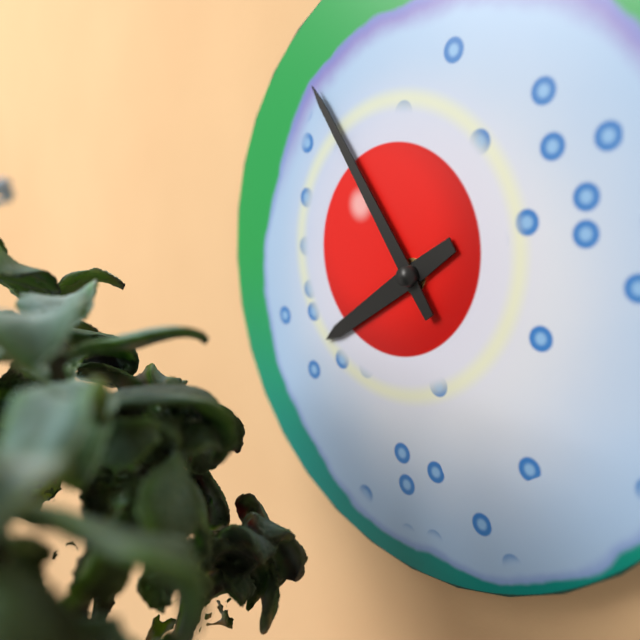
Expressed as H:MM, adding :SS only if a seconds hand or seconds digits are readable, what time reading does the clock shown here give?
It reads 7:54
